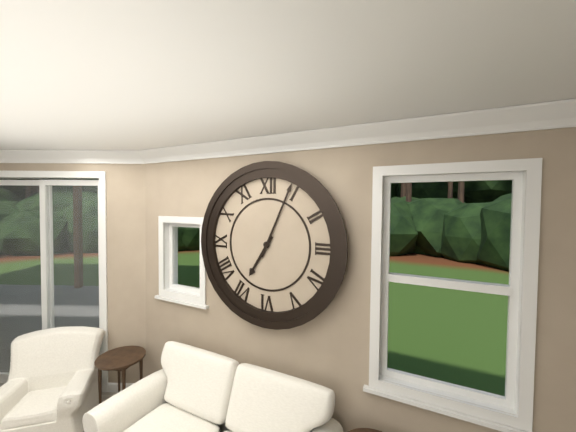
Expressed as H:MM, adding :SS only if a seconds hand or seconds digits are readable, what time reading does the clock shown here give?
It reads 7:04
